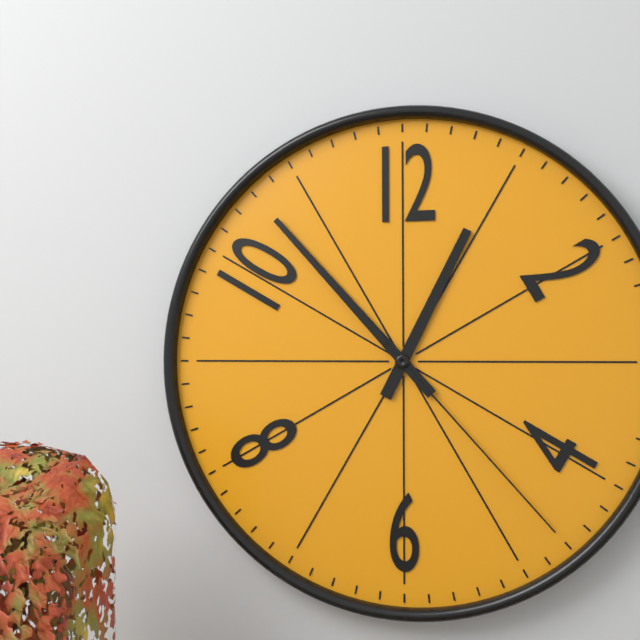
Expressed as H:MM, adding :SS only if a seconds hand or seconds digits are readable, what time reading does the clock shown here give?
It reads 12:53:23
